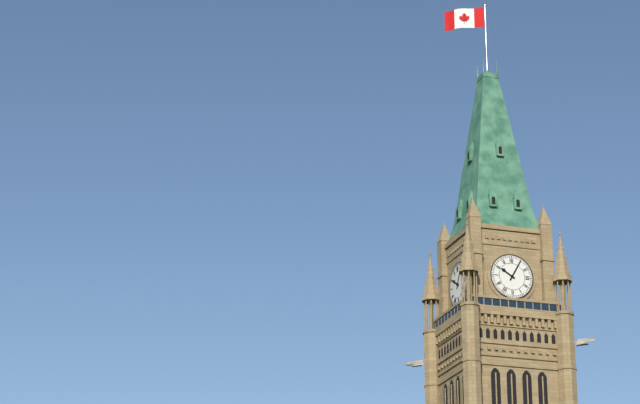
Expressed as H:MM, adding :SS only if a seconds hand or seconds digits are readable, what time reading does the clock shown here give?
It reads 10:05
